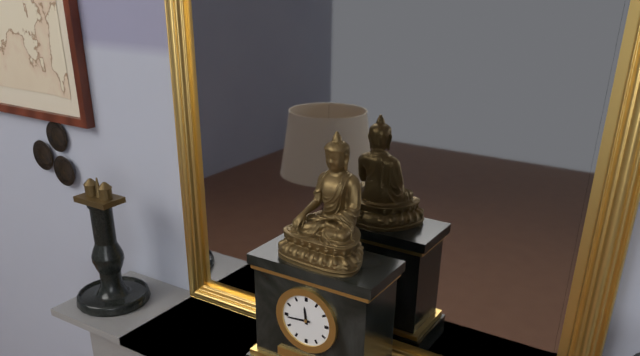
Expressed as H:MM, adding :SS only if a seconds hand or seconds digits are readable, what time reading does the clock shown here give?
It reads 11:44
